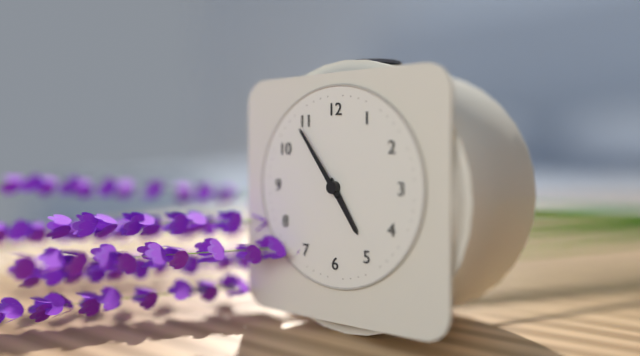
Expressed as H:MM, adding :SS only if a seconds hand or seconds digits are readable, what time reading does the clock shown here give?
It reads 4:54
